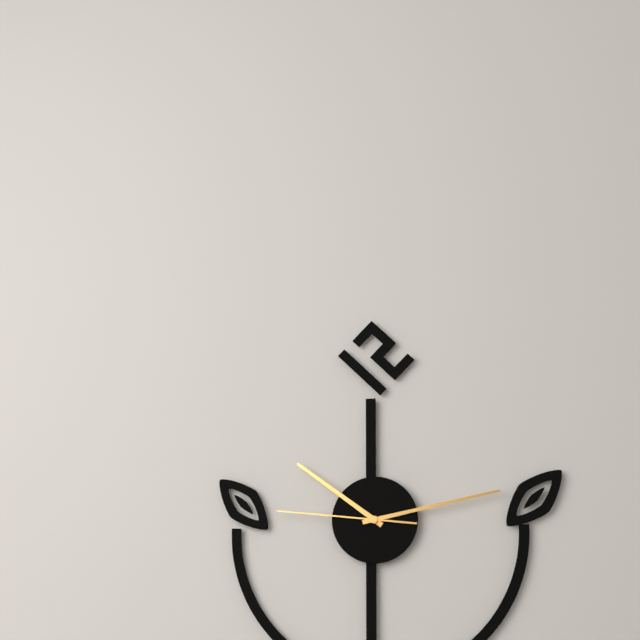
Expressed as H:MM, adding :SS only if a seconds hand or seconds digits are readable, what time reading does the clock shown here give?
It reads 10:13:46
